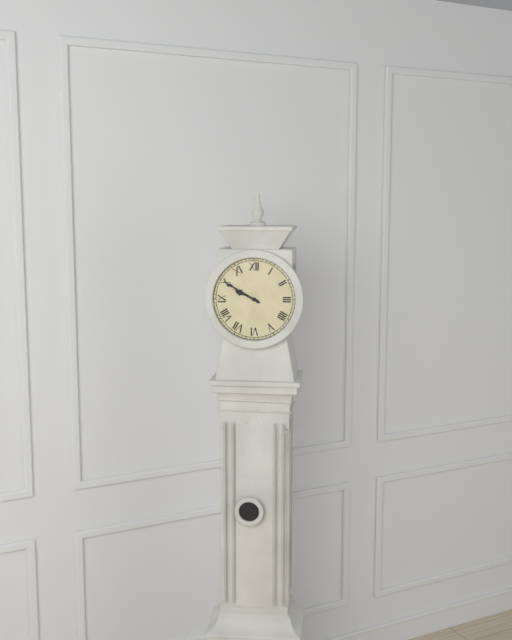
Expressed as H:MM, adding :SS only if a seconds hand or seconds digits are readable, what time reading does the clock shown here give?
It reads 9:50
